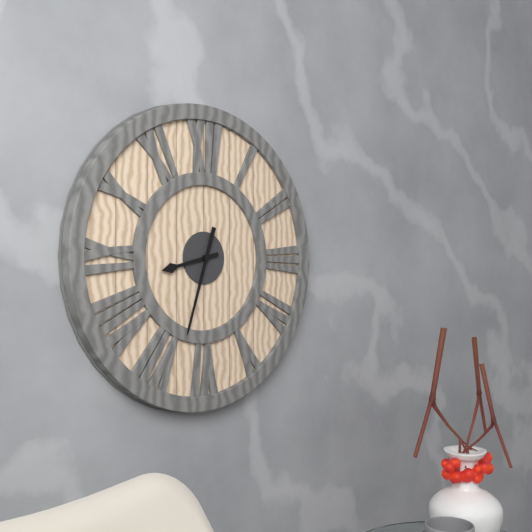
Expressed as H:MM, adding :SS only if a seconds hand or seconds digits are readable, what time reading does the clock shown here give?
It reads 8:33
